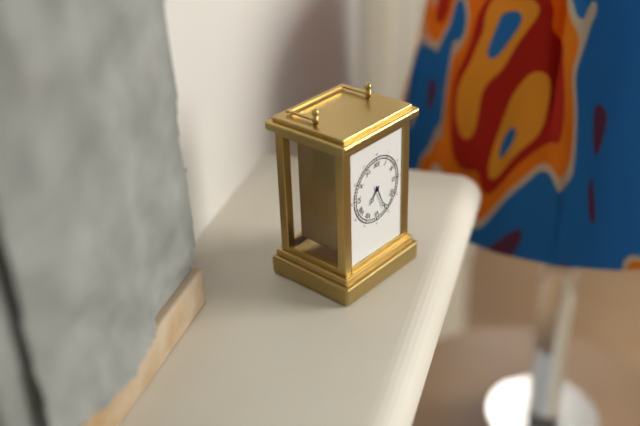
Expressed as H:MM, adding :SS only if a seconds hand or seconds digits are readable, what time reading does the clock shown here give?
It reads 7:26
